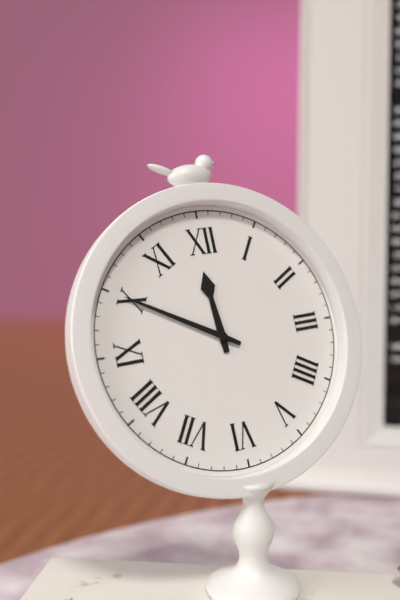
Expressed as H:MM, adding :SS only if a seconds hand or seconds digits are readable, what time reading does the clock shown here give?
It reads 11:50
